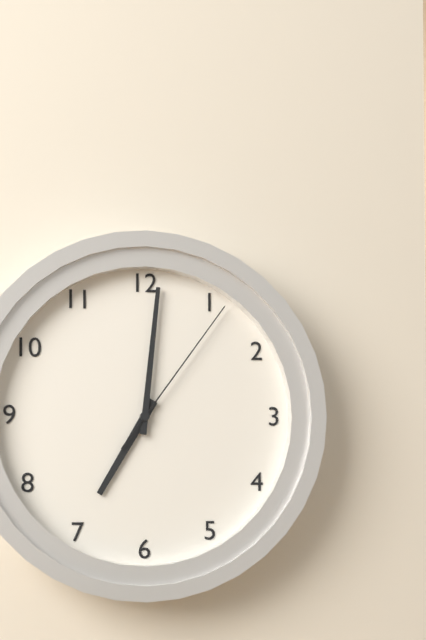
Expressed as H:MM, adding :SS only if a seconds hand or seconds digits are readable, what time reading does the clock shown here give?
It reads 7:01:06
